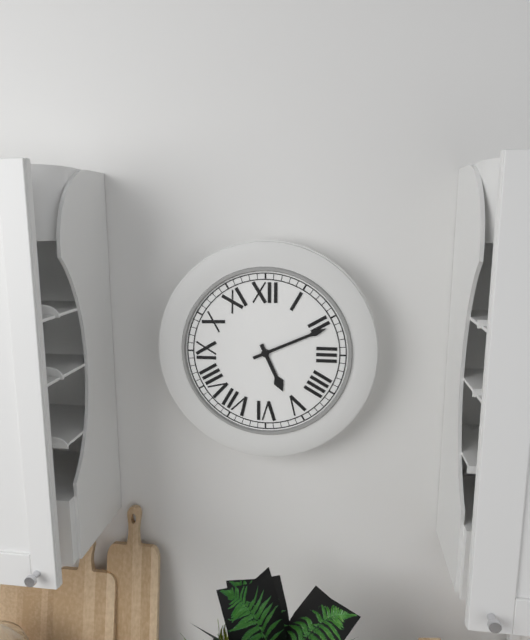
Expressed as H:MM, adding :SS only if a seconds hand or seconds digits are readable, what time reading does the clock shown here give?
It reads 5:11
